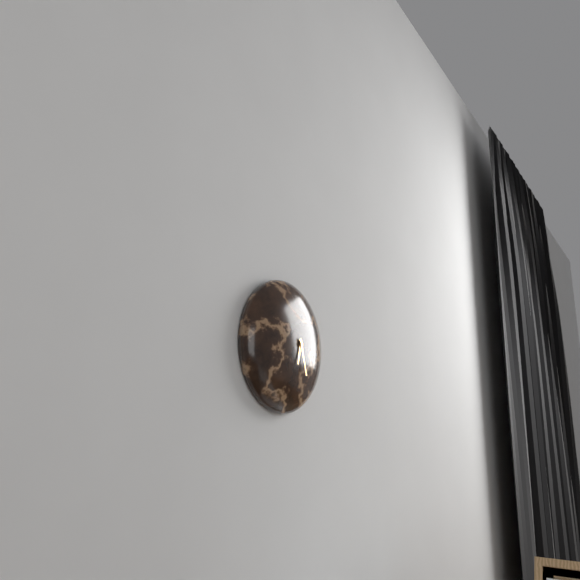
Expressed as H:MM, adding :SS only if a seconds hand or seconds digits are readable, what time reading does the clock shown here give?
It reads 6:27
